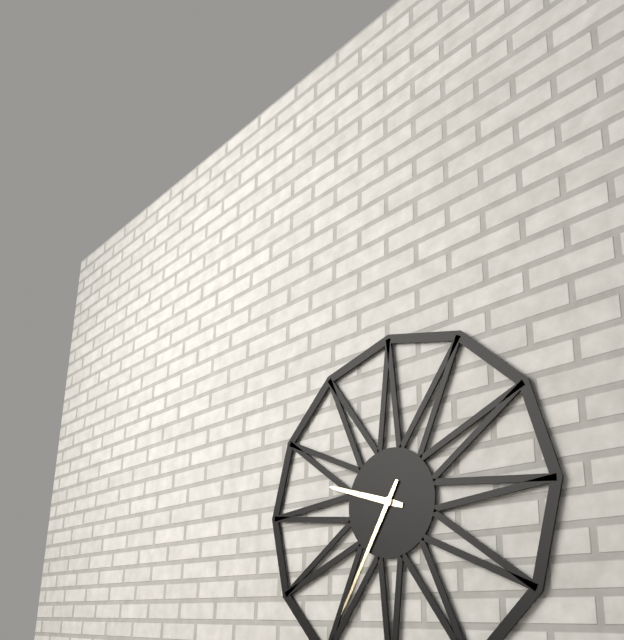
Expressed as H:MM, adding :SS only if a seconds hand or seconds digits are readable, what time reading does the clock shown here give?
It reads 9:35
